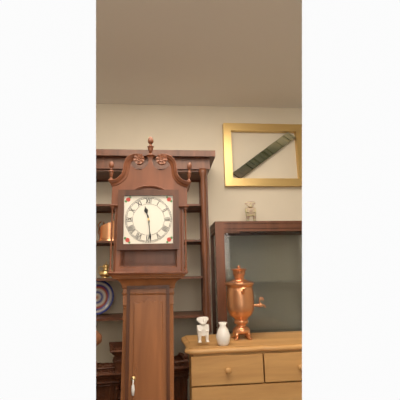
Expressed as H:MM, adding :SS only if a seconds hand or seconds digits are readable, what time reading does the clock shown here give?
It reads 11:29
